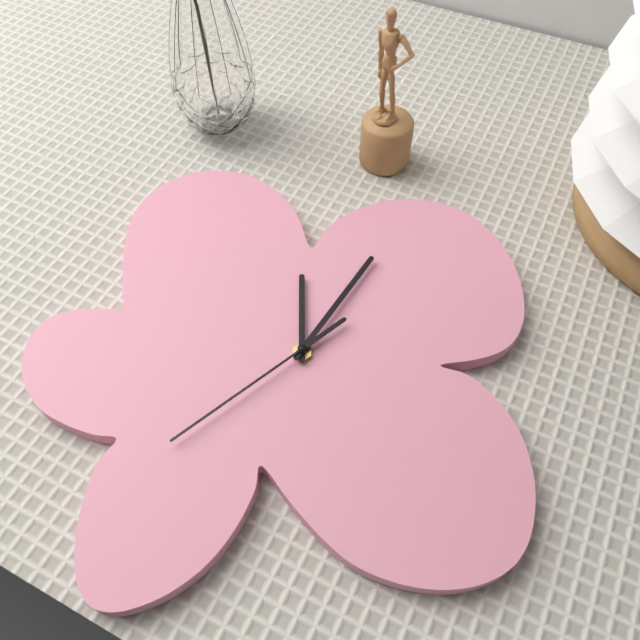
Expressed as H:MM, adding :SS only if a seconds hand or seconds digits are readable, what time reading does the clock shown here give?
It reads 12:06:39
